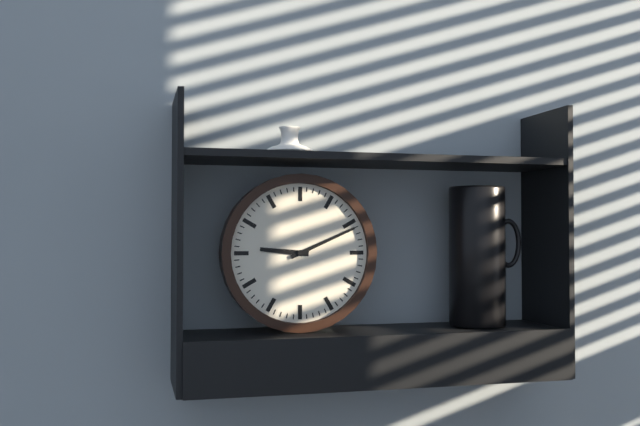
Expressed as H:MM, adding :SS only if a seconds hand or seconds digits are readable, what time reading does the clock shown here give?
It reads 9:11
